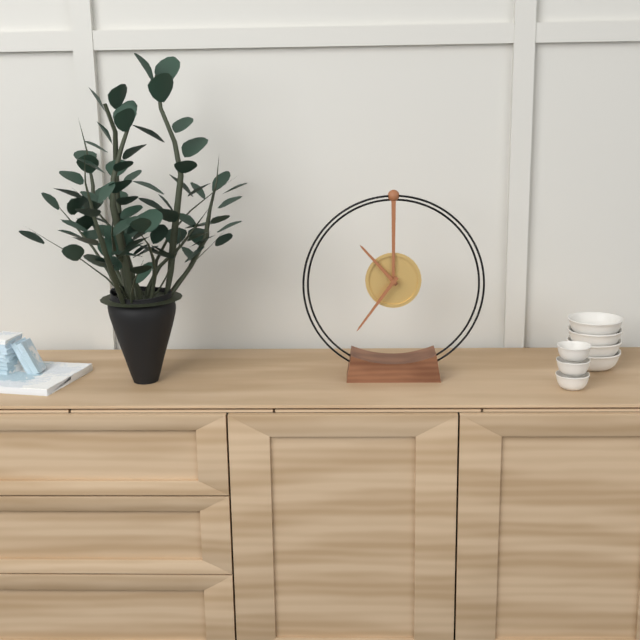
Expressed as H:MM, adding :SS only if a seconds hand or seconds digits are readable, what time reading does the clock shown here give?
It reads 10:36
